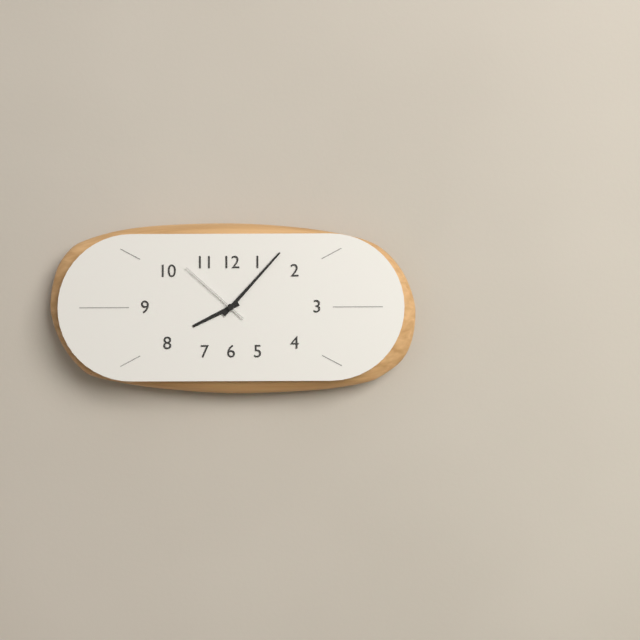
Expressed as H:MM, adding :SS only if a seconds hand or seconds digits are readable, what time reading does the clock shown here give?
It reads 8:07:52
